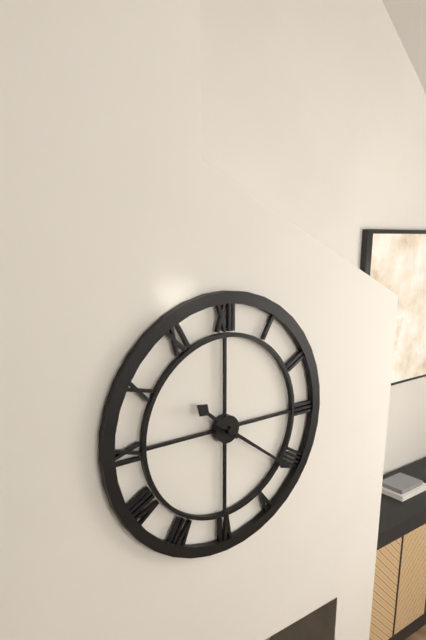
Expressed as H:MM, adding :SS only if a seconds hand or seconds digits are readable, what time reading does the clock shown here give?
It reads 10:21
